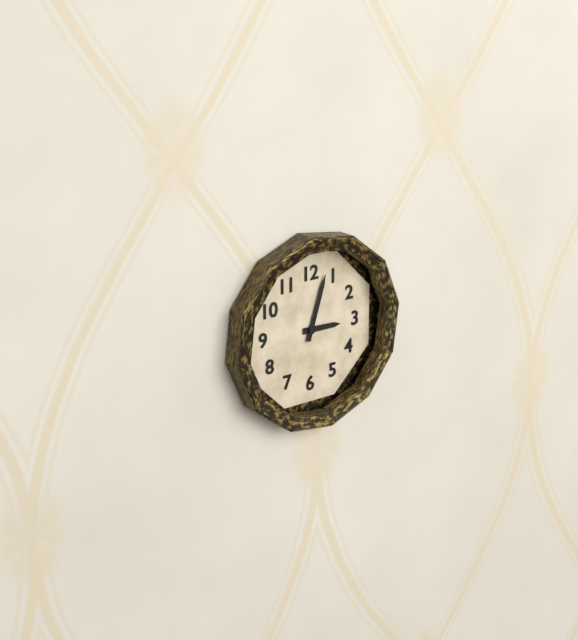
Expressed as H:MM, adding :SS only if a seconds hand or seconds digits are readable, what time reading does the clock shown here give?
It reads 3:03
